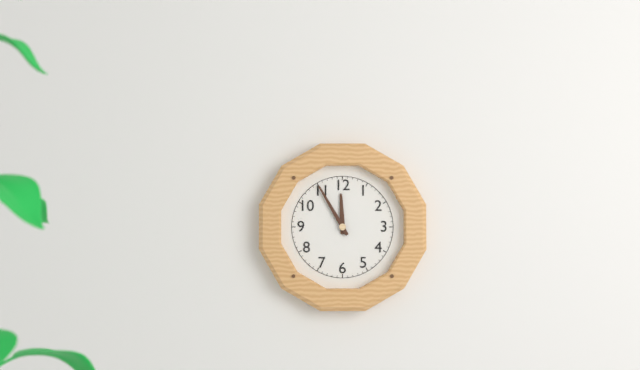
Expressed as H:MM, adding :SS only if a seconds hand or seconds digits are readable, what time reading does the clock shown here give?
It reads 11:55
